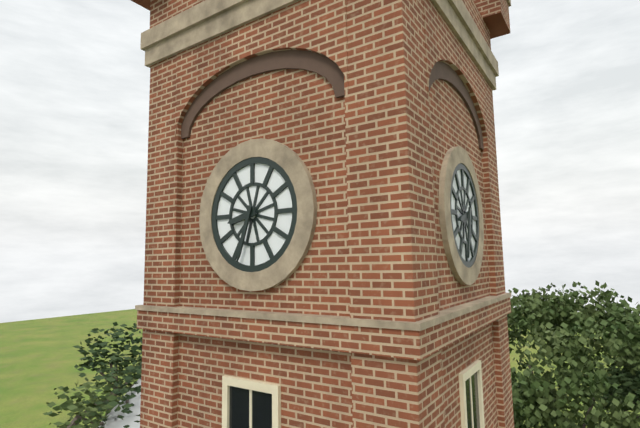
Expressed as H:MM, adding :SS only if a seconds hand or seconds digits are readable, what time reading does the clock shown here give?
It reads 8:33
